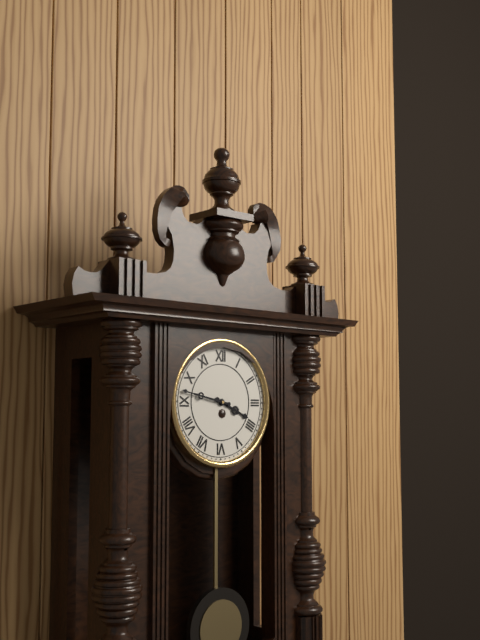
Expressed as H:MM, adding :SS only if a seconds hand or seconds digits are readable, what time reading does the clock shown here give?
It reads 3:47
